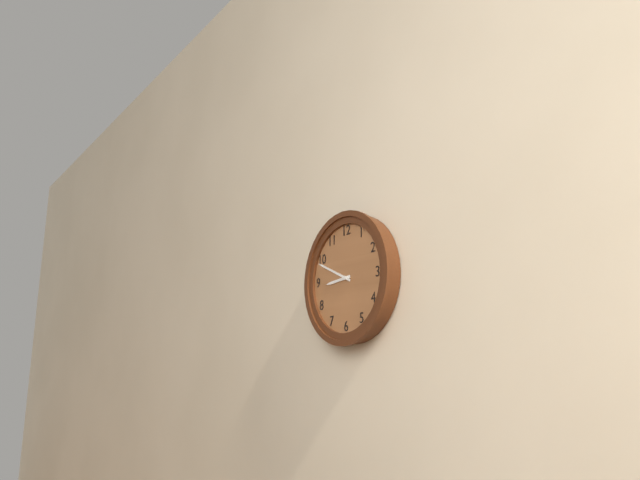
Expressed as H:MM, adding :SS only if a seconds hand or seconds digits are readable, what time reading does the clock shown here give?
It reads 8:49
